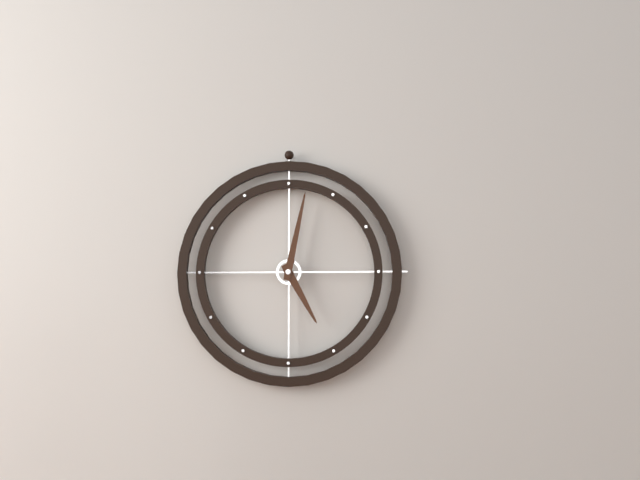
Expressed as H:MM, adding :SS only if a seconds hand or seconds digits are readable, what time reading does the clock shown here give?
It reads 5:02
